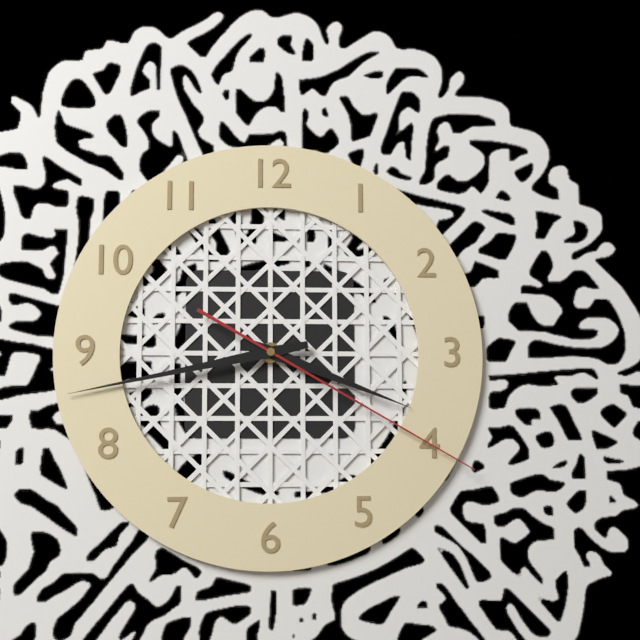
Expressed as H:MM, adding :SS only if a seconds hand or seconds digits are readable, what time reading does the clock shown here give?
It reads 3:43:20
